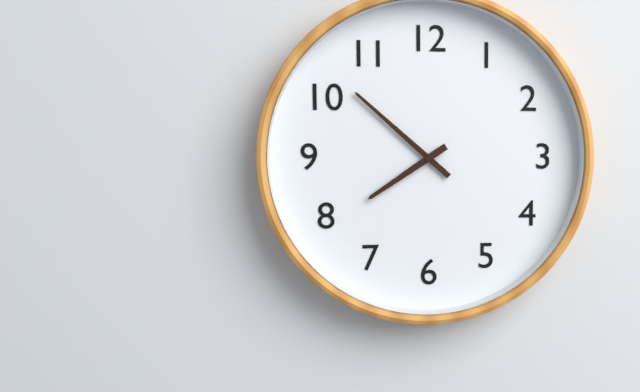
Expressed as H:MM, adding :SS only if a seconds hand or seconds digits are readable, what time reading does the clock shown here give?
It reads 7:52
